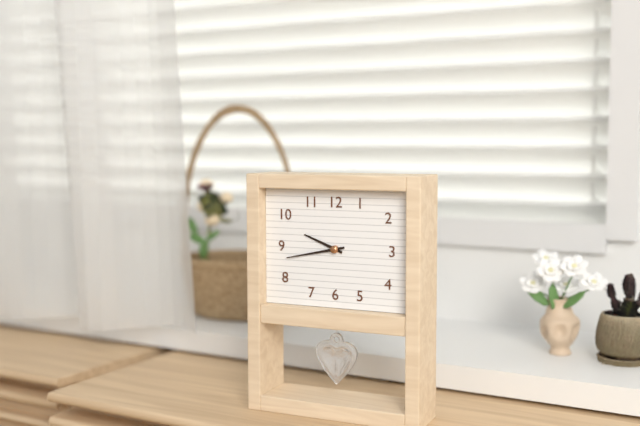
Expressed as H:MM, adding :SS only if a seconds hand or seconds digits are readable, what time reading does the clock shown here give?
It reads 9:43
